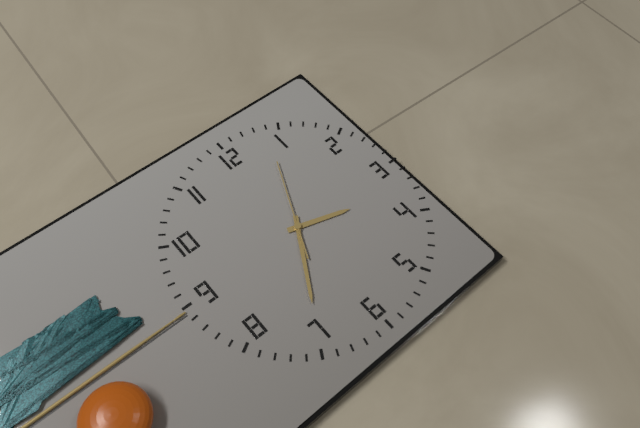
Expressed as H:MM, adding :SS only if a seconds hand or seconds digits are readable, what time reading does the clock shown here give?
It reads 3:35:04
